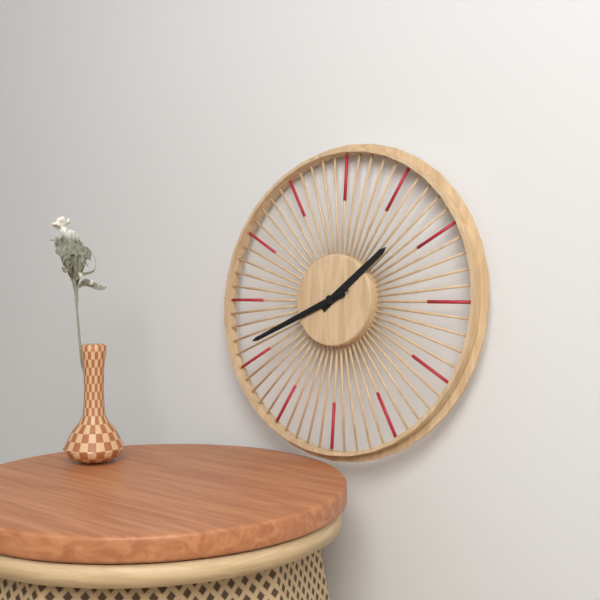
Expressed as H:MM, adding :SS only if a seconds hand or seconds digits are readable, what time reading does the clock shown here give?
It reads 1:41:41
